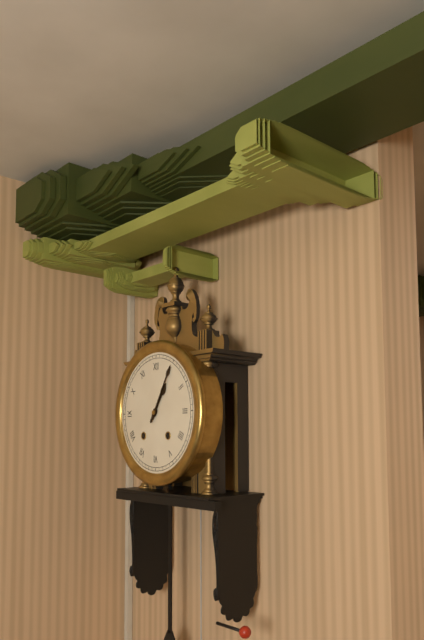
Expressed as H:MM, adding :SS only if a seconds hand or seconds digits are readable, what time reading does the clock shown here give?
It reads 1:05
